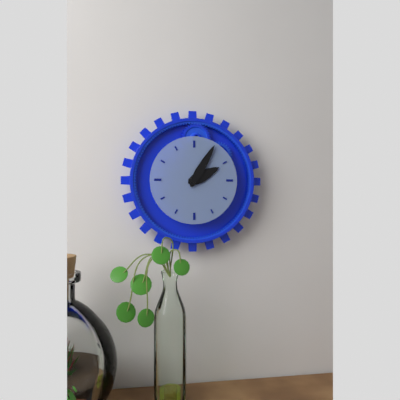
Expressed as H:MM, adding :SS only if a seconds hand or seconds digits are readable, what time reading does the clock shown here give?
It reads 2:05
